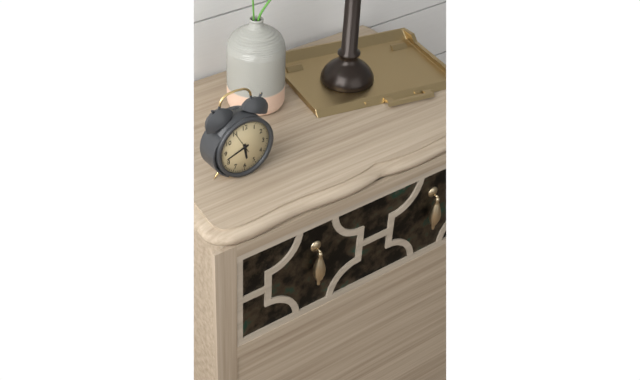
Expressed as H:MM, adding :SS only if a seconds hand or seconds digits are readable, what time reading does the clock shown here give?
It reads 5:42
